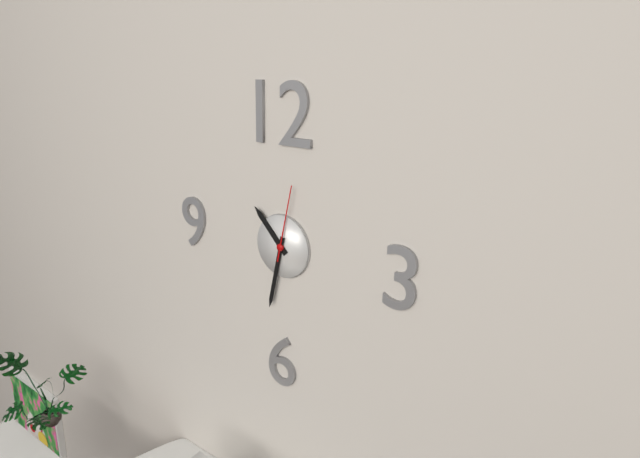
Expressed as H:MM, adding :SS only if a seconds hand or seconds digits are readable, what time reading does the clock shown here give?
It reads 10:32:02
